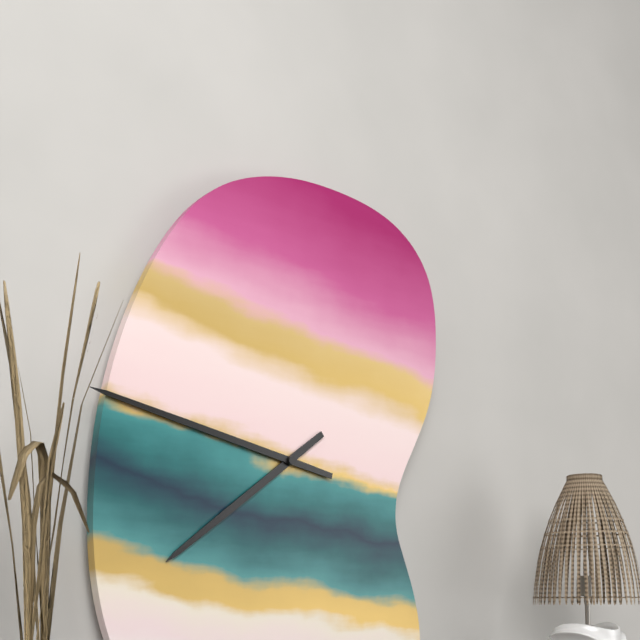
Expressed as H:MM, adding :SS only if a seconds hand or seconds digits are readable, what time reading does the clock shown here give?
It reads 7:47
